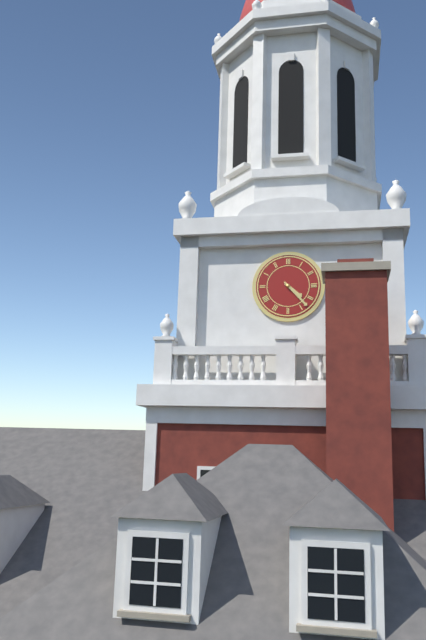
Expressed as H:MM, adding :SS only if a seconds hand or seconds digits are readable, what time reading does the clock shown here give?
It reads 4:23
